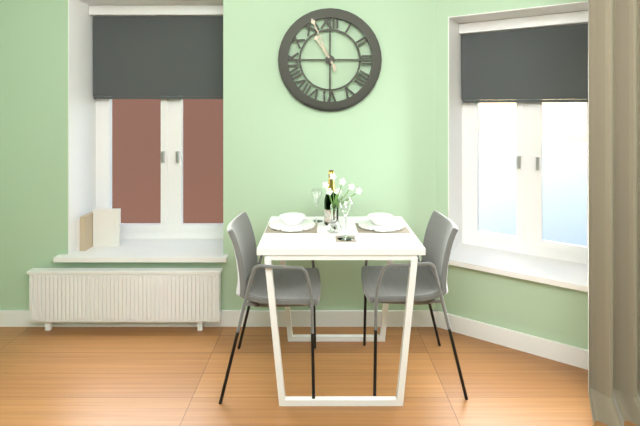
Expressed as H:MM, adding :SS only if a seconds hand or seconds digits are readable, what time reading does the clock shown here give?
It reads 10:56
